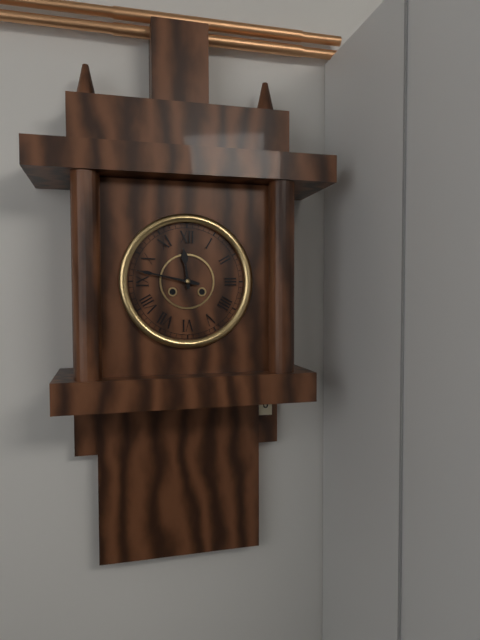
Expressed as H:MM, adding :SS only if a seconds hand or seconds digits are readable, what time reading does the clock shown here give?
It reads 11:47
